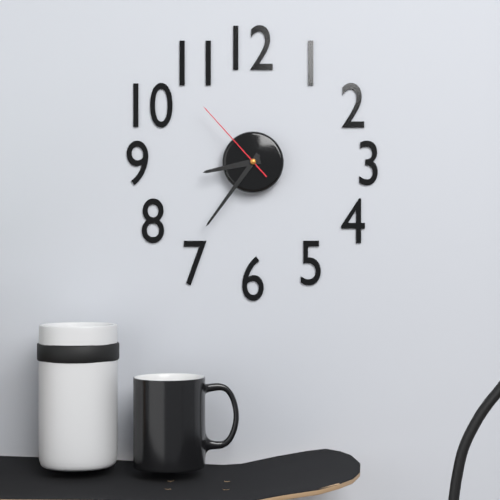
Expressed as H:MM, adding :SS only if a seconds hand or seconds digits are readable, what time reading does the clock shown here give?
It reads 8:36:53
